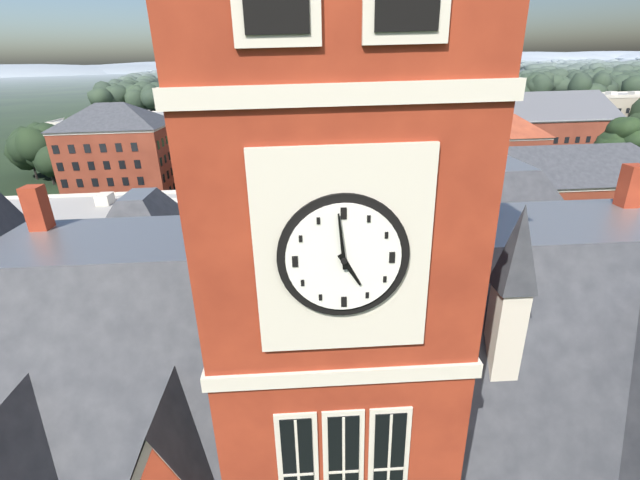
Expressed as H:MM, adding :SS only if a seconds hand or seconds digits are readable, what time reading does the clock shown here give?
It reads 4:59
